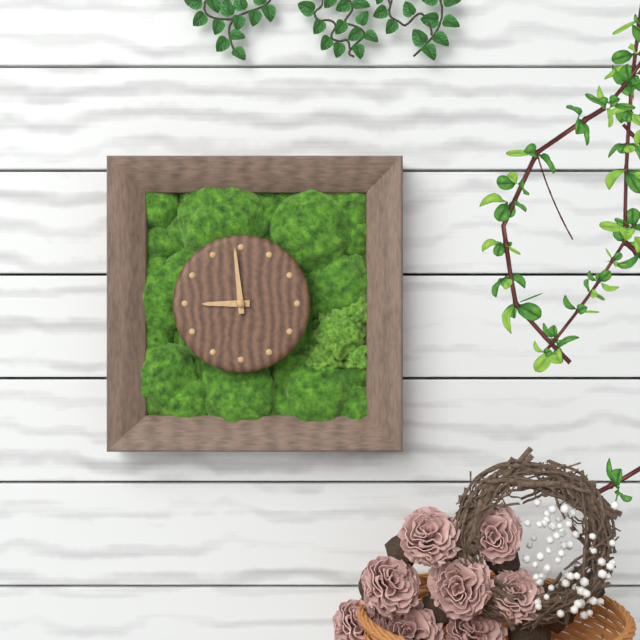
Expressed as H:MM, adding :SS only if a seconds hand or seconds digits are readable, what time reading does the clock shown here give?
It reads 8:59
